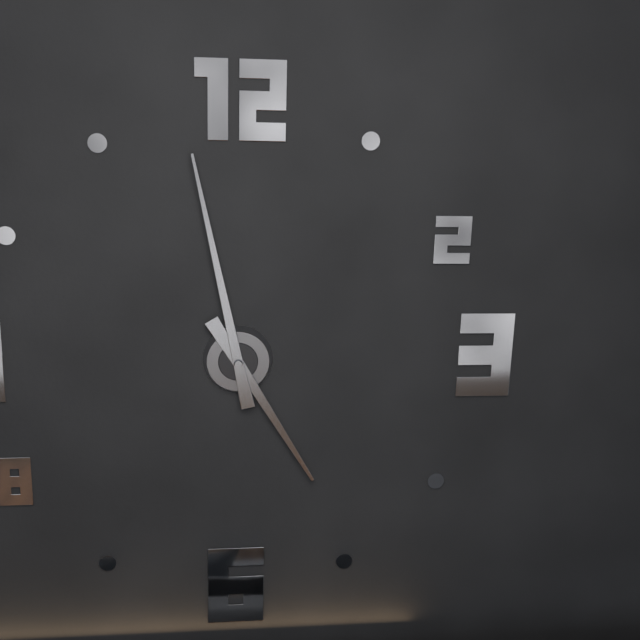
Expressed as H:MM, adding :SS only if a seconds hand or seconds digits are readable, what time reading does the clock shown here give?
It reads 4:58
